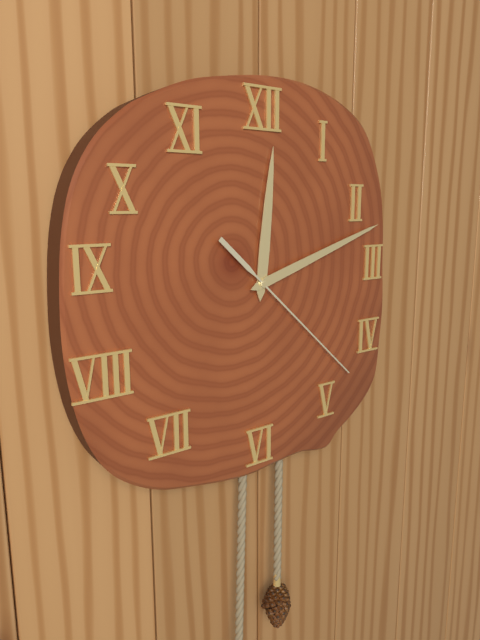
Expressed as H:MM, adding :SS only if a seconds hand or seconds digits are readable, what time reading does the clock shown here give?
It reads 12:12:22
